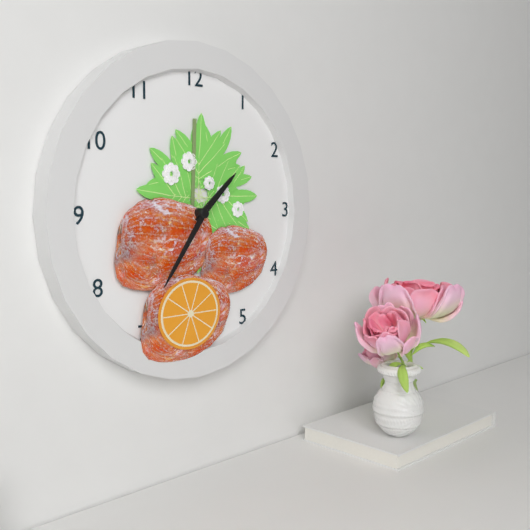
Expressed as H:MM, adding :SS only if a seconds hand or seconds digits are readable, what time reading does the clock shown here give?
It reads 1:36
